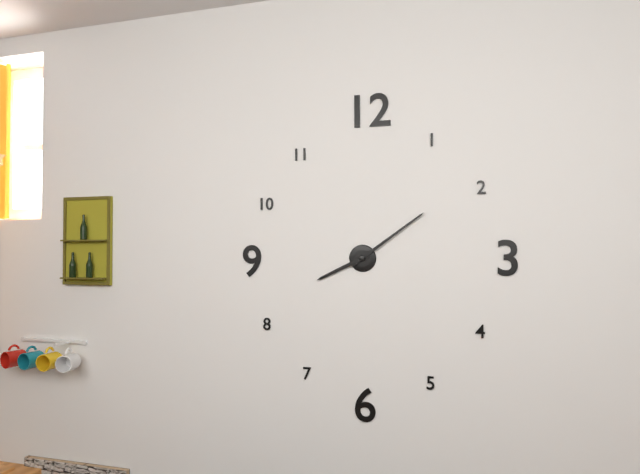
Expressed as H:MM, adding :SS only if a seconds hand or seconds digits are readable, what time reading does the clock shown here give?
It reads 8:09
